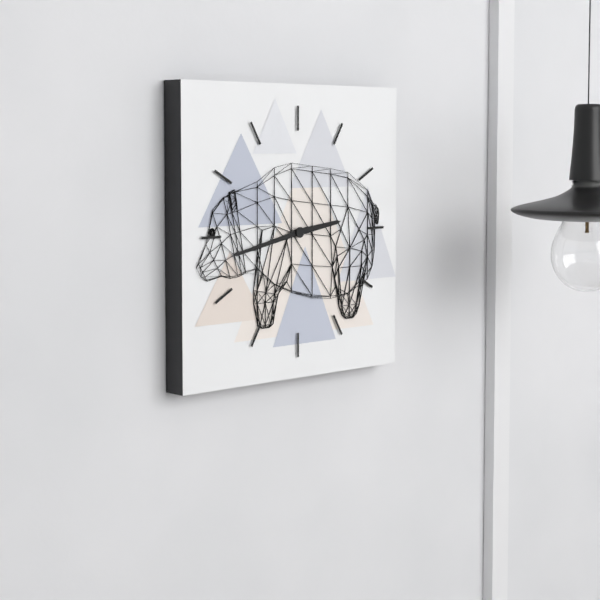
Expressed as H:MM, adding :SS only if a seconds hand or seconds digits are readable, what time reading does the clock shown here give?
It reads 2:43
